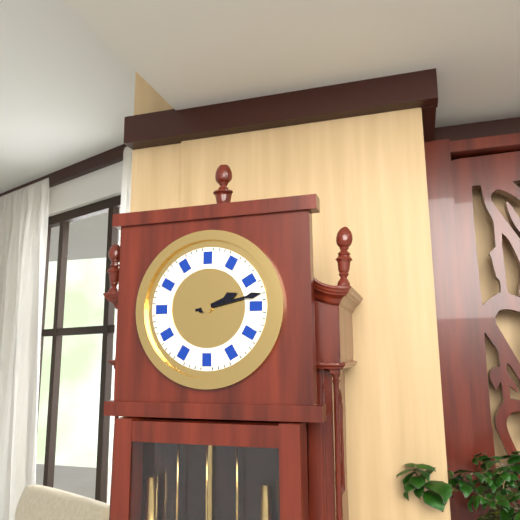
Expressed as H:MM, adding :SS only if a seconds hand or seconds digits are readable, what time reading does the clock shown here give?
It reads 2:13
